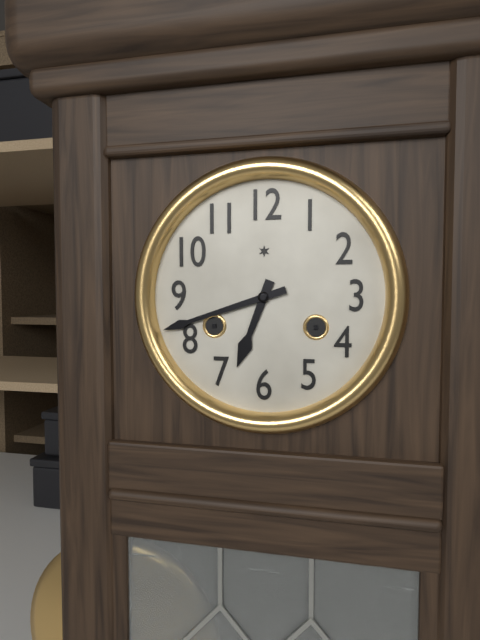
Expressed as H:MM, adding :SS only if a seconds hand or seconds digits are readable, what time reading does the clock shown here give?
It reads 6:42
